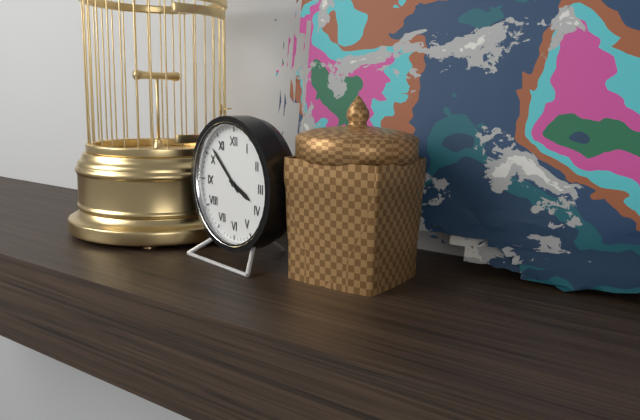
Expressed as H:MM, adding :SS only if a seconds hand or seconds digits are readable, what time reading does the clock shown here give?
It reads 3:52
